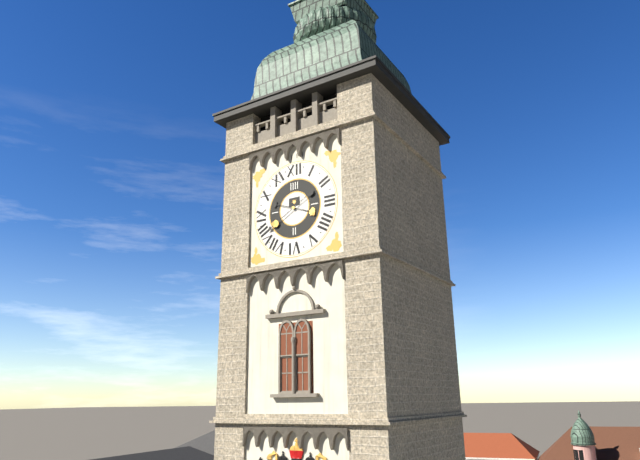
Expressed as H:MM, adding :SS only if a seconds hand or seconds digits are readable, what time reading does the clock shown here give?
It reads 3:40
